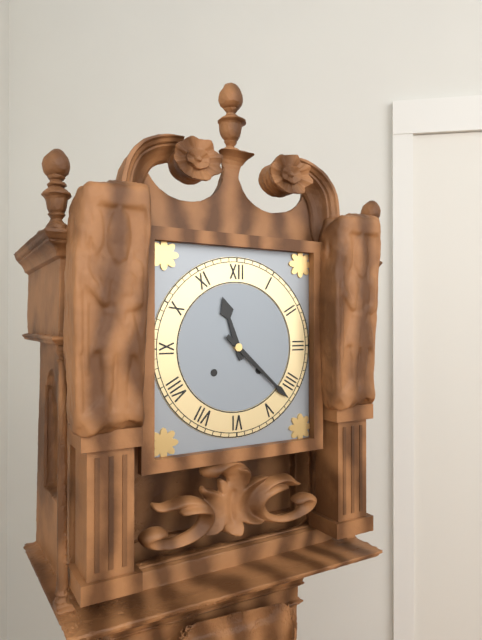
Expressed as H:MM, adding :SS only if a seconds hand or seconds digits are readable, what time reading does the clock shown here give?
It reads 11:22
